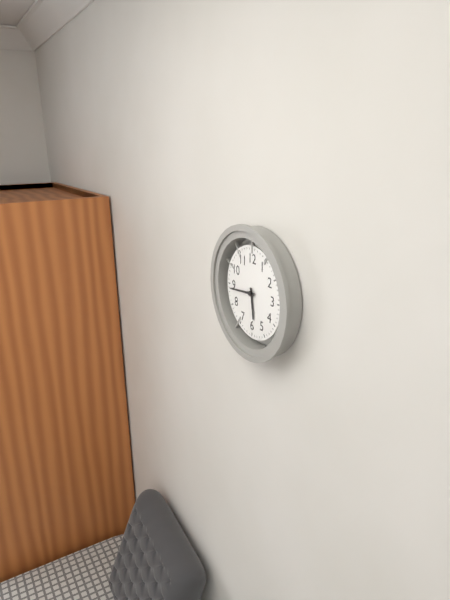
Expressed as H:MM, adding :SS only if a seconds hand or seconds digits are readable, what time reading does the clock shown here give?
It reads 5:44
